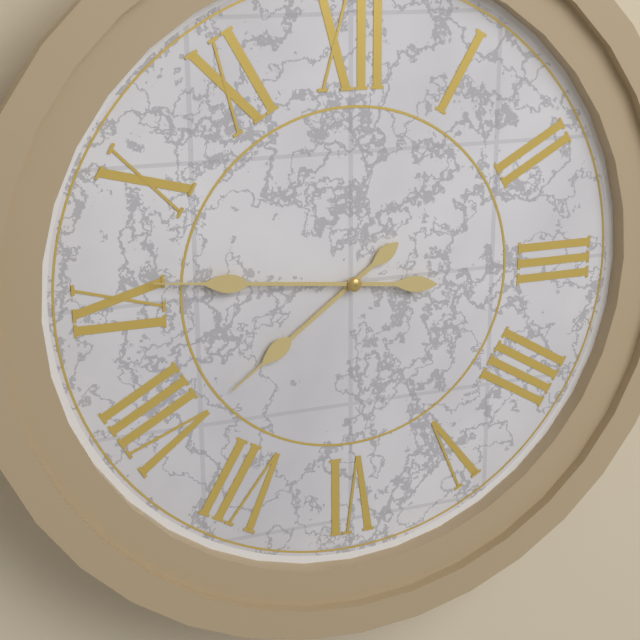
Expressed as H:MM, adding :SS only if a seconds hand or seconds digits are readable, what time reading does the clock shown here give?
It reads 7:46
